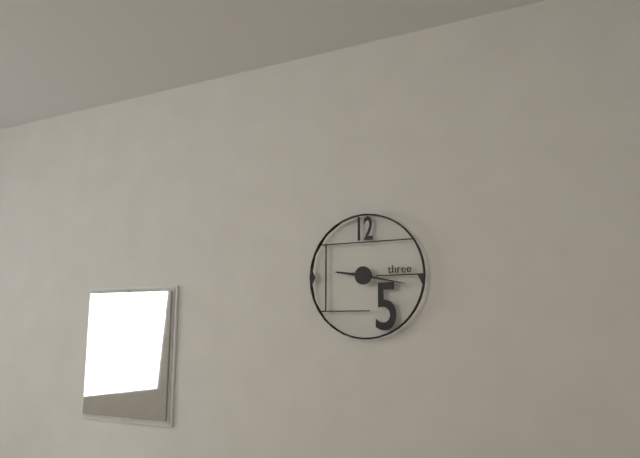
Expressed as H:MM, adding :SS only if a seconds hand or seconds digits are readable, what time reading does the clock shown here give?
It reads 9:17
